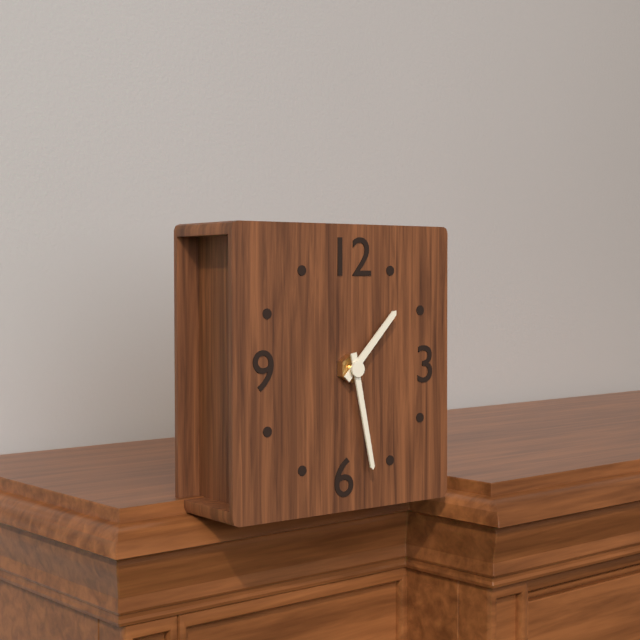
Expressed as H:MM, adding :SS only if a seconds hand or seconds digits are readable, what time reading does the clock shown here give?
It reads 1:28
